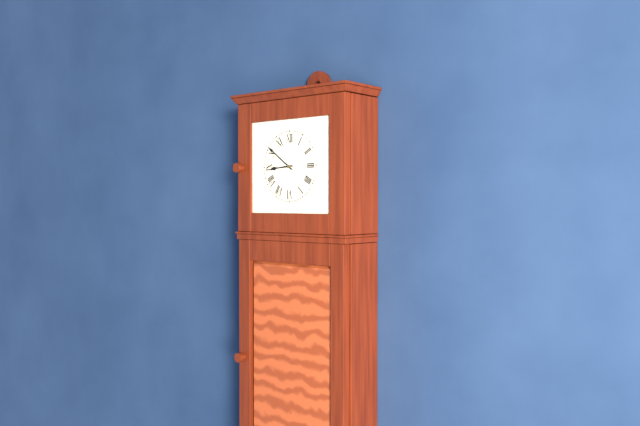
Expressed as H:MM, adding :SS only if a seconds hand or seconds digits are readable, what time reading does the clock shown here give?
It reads 8:51
